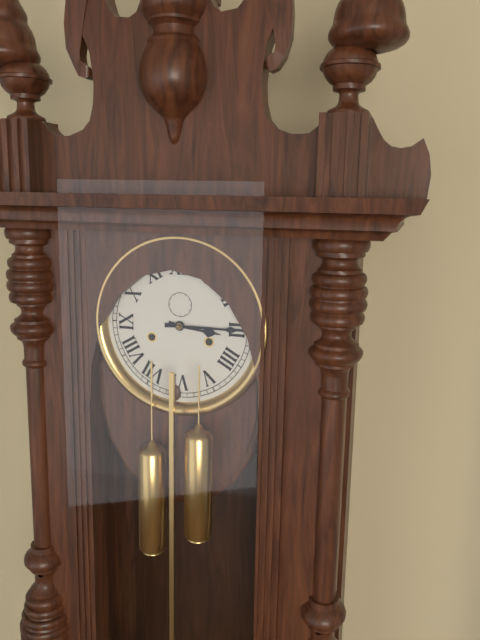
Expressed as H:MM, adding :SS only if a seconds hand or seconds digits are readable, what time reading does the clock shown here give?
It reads 3:15
